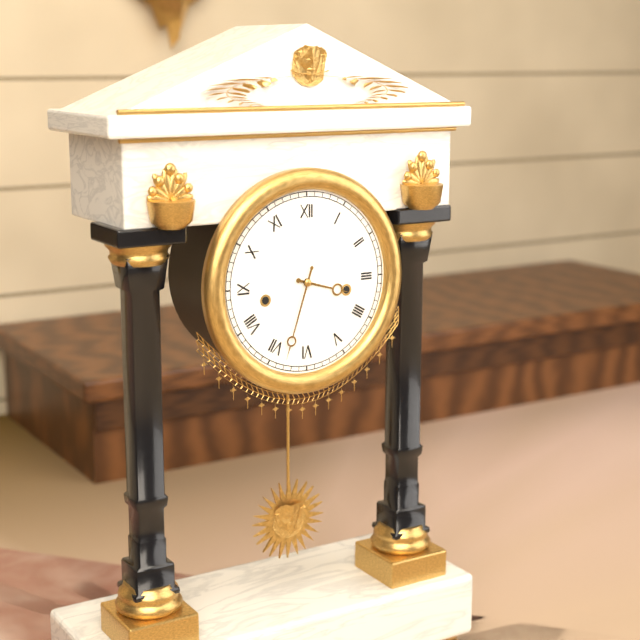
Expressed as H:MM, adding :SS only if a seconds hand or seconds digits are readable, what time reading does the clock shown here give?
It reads 3:33
